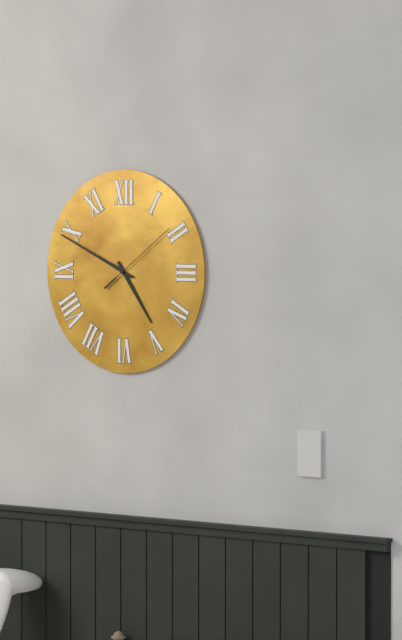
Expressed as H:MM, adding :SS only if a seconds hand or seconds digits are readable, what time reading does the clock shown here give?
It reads 4:49:09
